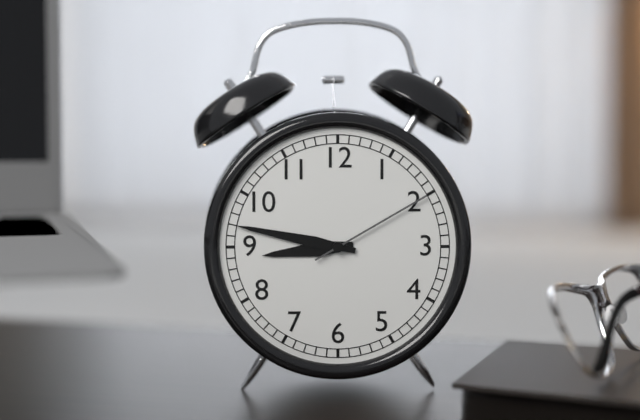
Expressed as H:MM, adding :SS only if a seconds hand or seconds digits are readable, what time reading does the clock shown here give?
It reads 8:47:10
